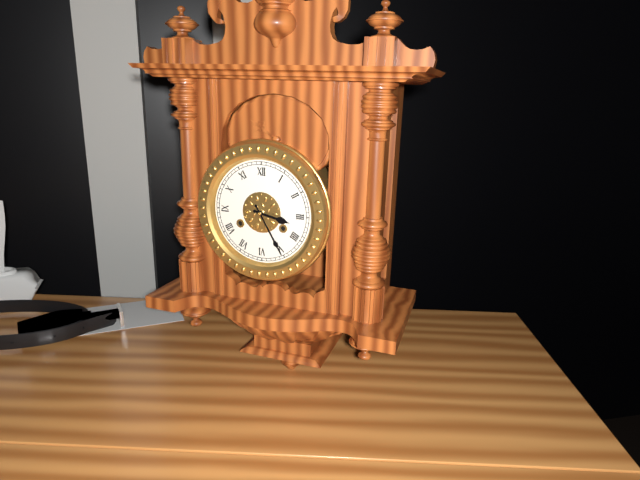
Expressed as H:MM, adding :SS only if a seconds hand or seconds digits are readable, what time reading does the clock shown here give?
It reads 3:25
